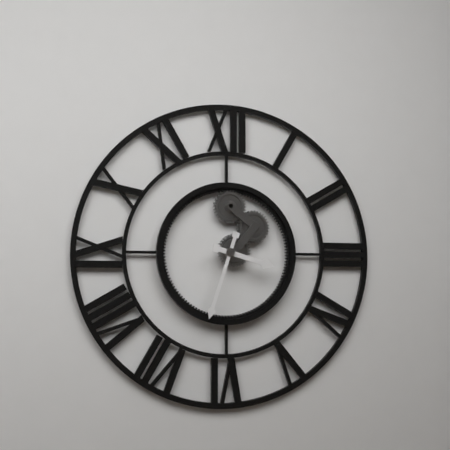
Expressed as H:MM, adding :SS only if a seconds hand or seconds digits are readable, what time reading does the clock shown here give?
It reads 3:33
